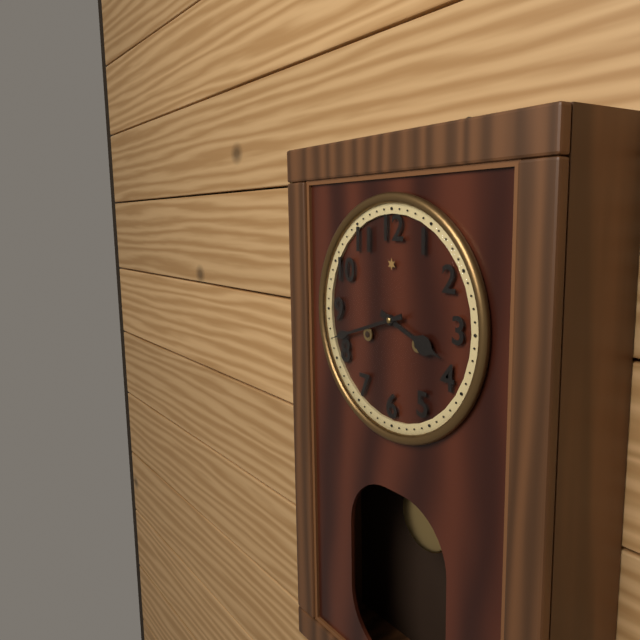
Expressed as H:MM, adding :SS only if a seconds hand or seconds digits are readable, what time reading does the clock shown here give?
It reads 3:42
